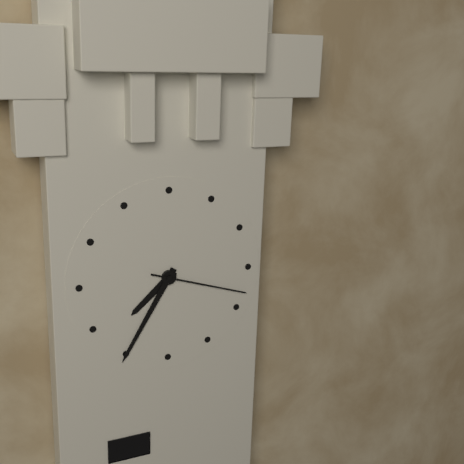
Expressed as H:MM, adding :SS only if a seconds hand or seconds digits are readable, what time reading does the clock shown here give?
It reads 7:35:18
